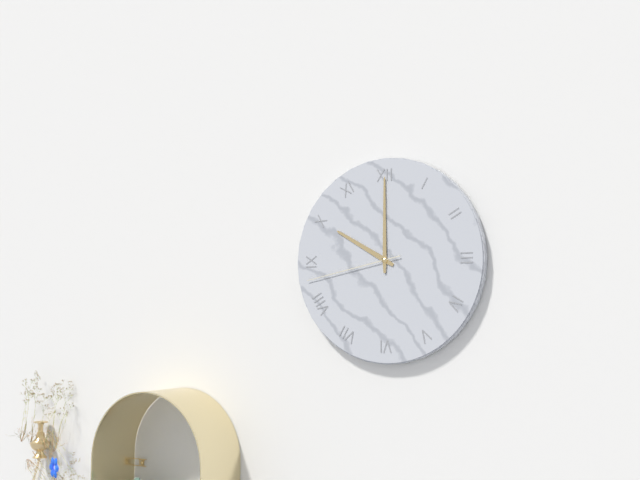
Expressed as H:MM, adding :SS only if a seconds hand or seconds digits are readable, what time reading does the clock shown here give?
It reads 10:00:43
